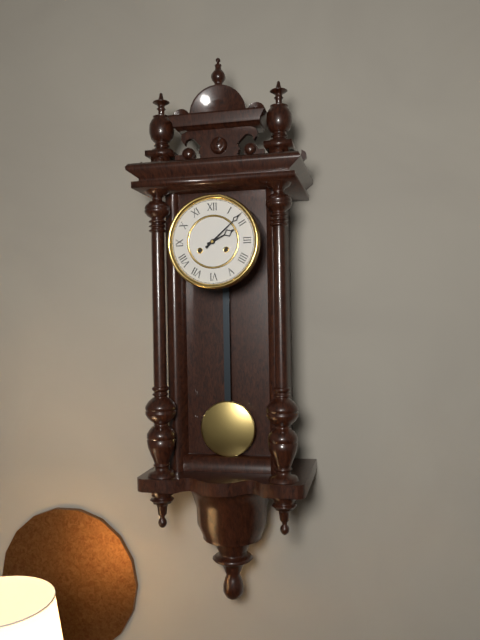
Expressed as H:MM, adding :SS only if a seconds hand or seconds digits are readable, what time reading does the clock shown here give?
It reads 2:08
